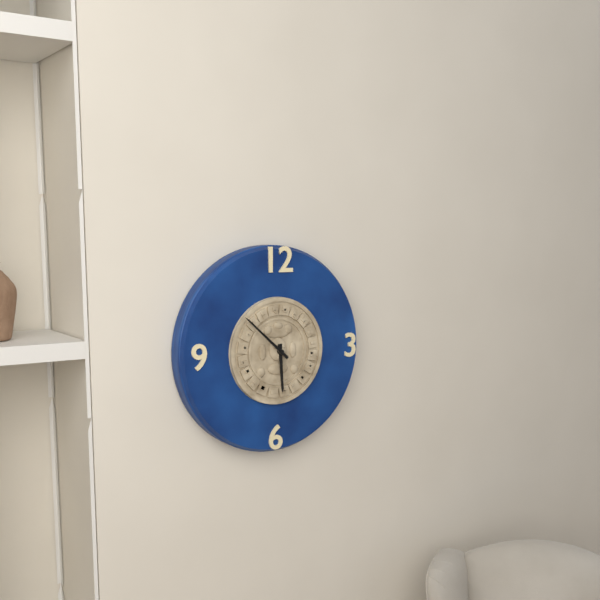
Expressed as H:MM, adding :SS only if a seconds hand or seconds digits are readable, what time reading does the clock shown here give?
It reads 5:52
